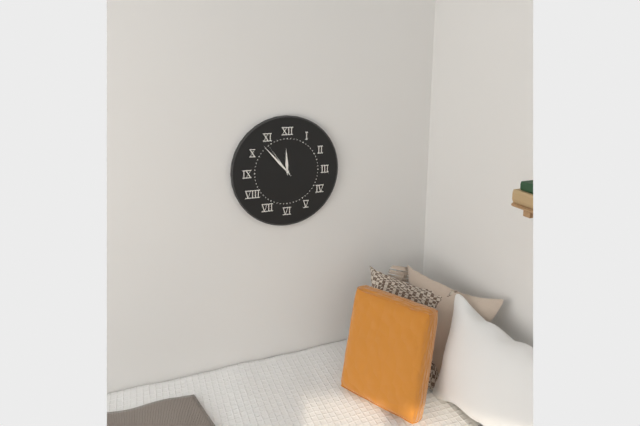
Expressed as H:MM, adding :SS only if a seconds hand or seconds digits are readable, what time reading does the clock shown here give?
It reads 11:53
